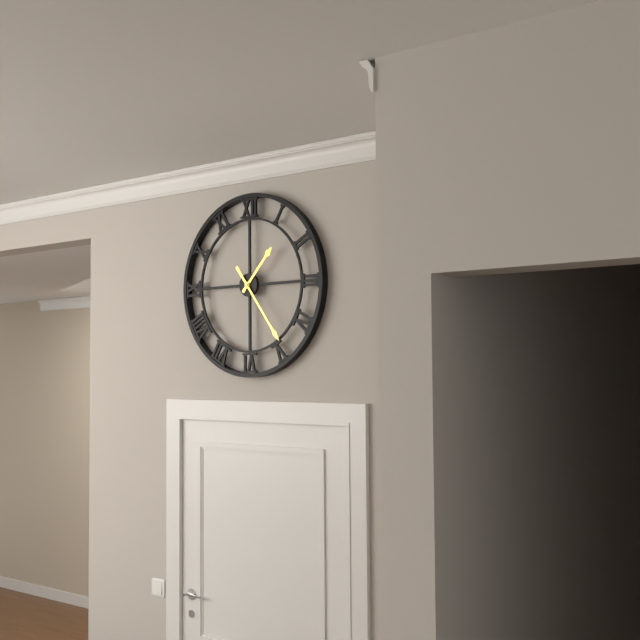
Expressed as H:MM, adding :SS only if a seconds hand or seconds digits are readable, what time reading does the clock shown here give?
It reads 1:24
